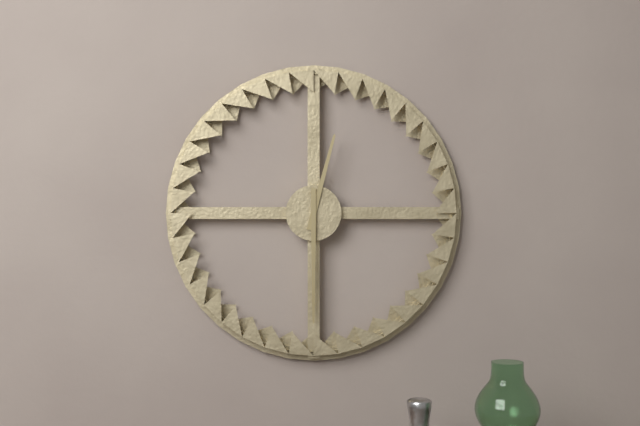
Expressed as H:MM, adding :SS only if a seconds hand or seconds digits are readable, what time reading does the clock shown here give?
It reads 12:30
